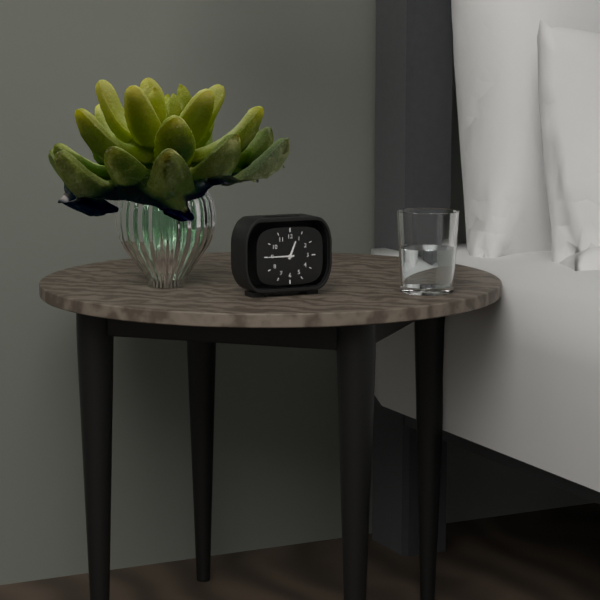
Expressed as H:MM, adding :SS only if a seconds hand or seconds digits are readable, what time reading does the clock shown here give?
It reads 12:45
